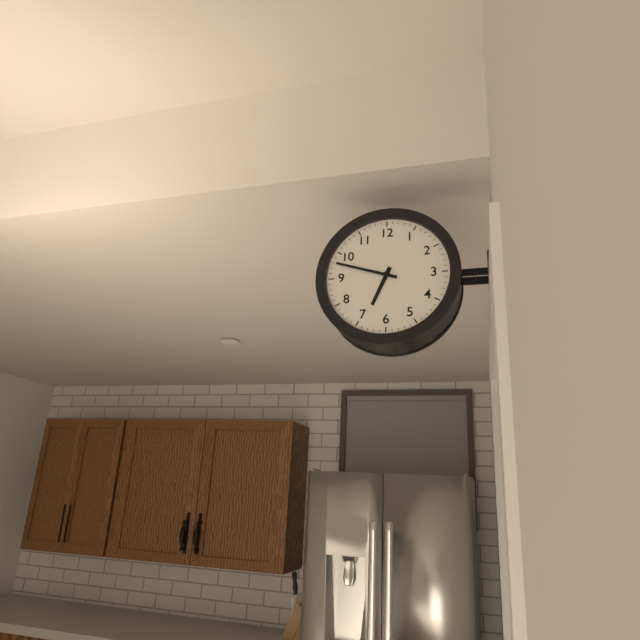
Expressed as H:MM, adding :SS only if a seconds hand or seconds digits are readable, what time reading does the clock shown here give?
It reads 6:48
